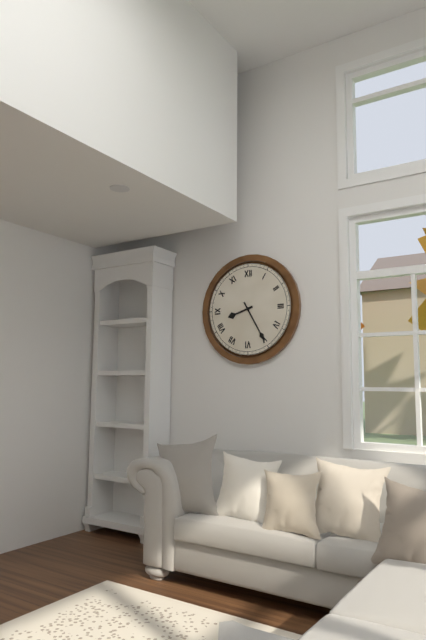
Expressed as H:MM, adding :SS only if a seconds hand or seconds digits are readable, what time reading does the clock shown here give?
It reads 8:25
